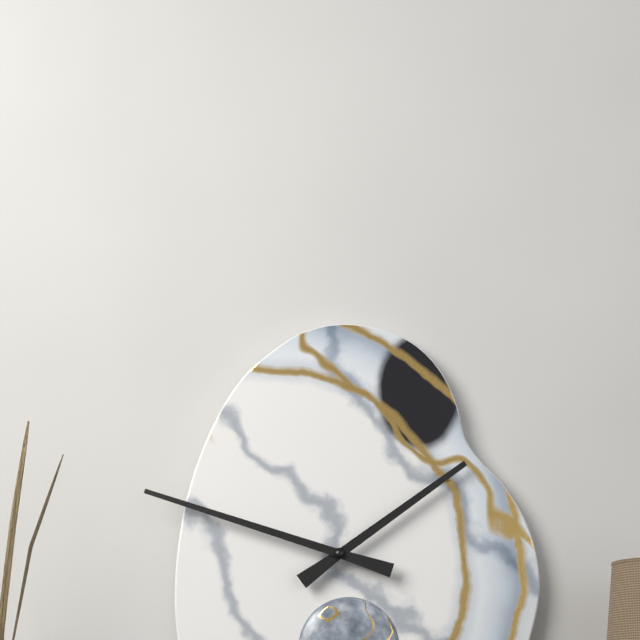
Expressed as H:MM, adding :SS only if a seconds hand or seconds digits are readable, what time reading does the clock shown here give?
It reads 1:48
